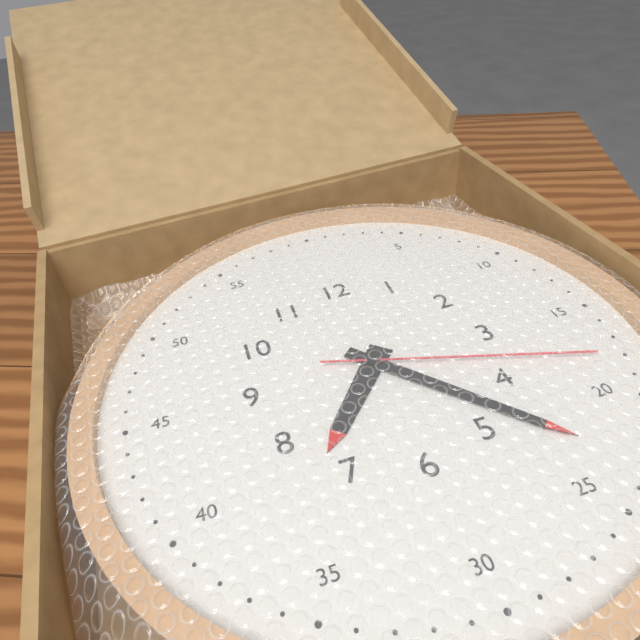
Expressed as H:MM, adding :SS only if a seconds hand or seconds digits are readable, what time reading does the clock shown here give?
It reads 7:23:18
